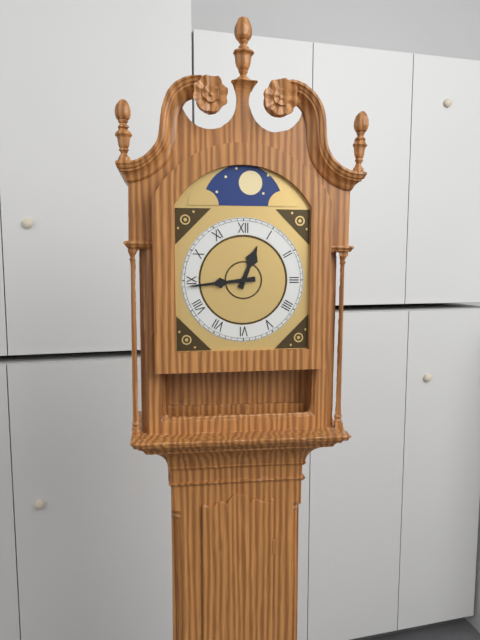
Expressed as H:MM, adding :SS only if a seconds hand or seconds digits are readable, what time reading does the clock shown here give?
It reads 12:44
